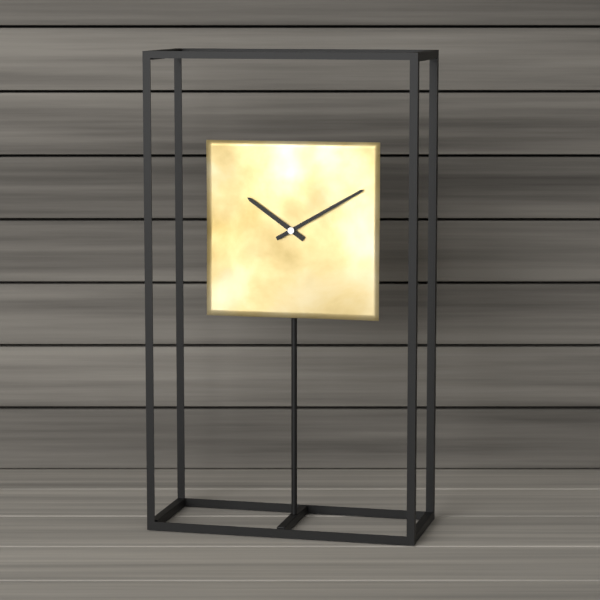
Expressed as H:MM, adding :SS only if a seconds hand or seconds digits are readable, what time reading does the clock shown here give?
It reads 10:10
